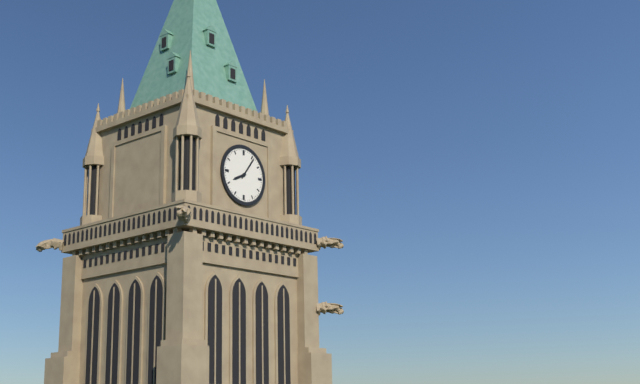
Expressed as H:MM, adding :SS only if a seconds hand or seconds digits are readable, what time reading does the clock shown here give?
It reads 8:06
